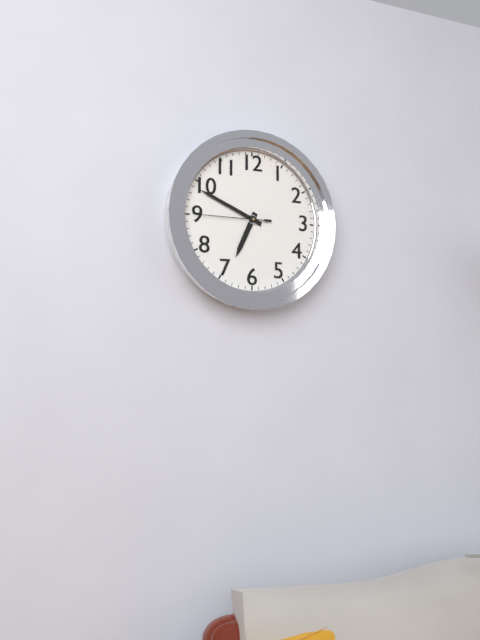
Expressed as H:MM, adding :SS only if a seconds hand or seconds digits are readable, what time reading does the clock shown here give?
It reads 6:49:45
